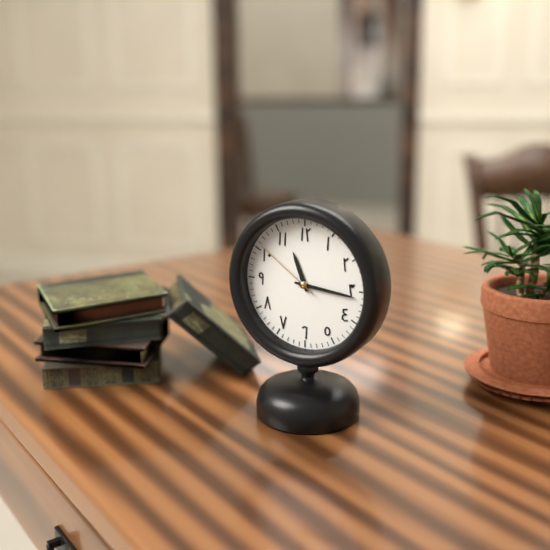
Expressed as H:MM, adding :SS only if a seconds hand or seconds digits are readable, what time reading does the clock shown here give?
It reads 11:16:51
